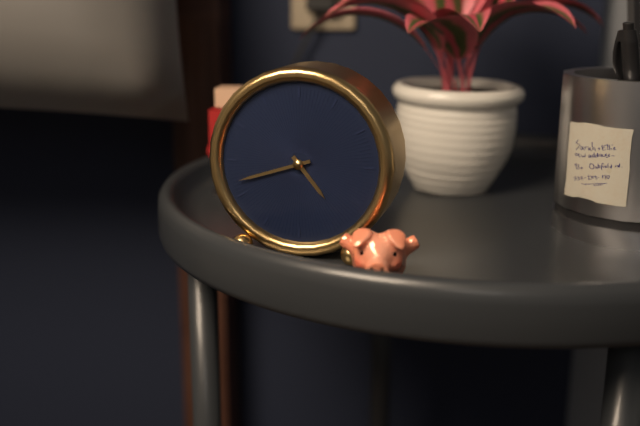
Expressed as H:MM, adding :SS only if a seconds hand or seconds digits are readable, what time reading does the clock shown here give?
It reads 4:42
